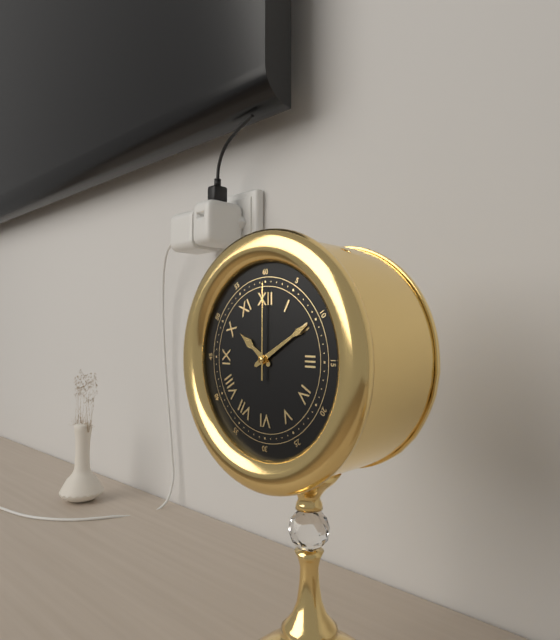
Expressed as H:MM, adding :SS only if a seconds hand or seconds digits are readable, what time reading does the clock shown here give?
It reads 10:10:00
